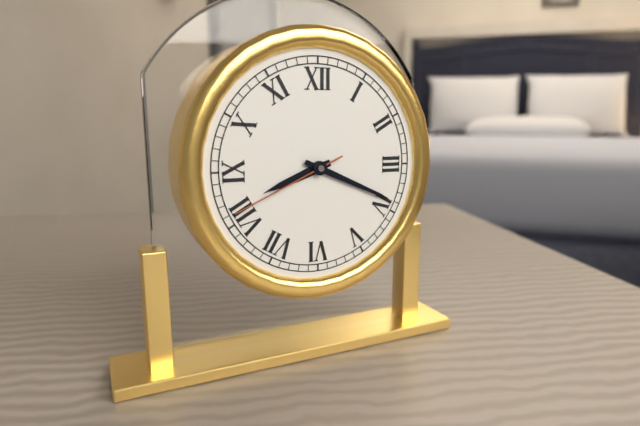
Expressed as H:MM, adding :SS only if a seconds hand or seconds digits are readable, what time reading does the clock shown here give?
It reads 8:19:41
